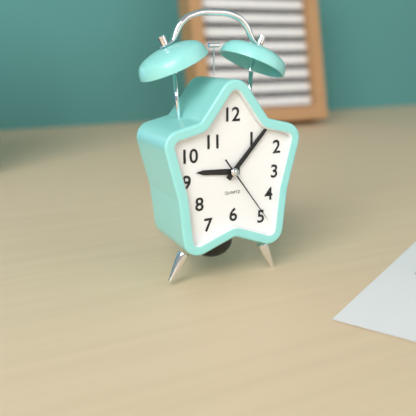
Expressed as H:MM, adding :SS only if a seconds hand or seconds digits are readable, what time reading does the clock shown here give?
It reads 9:07:24
